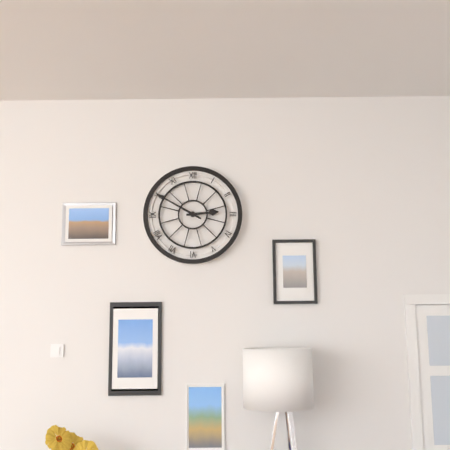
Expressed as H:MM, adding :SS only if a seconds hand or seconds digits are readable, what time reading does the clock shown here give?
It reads 2:50
